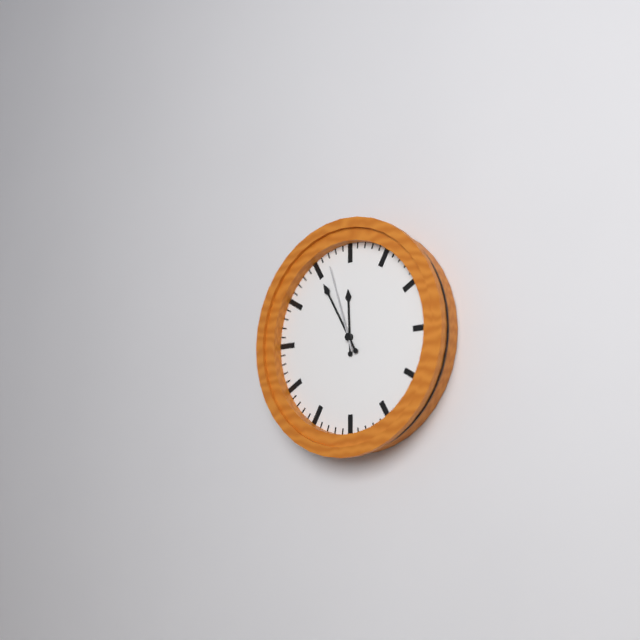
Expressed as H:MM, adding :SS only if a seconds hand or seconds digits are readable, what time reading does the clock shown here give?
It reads 11:55:57
